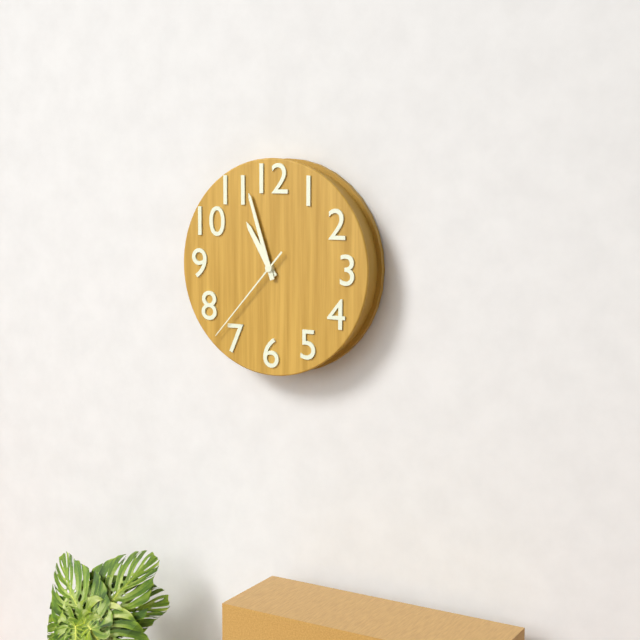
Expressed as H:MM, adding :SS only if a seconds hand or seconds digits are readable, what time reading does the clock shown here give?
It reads 10:57:37
